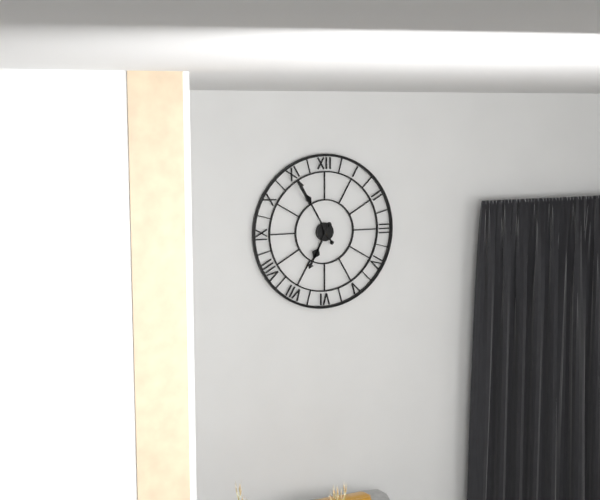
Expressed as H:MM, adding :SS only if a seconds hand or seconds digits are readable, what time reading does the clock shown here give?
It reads 6:55
